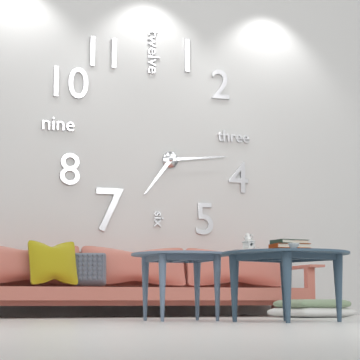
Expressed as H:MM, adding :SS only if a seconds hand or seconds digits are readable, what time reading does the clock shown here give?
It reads 7:14
